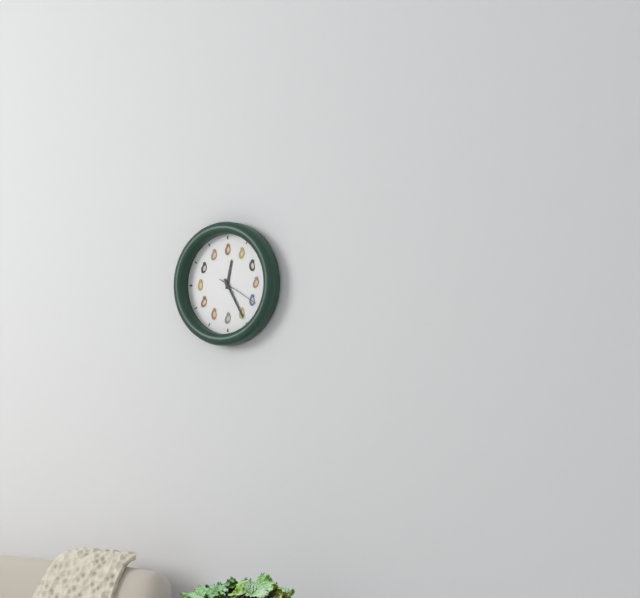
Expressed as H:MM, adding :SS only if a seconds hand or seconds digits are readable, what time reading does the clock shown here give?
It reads 12:25
